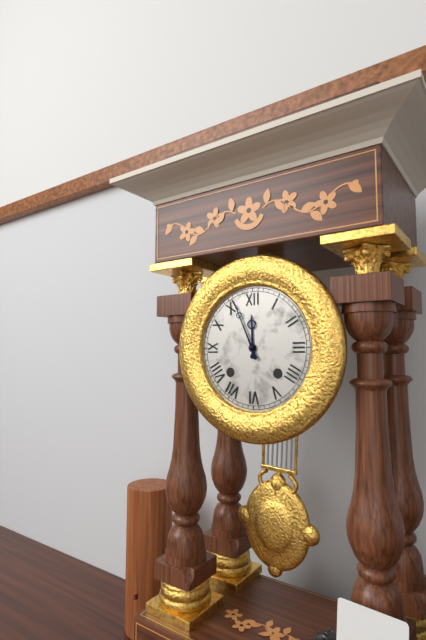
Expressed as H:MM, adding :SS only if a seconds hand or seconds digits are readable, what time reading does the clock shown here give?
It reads 11:56
